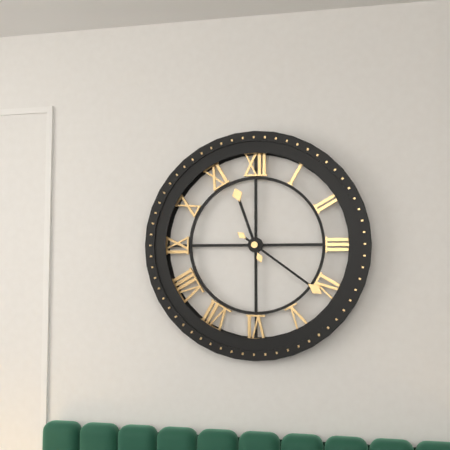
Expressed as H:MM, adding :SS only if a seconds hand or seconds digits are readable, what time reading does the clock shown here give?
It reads 11:21
